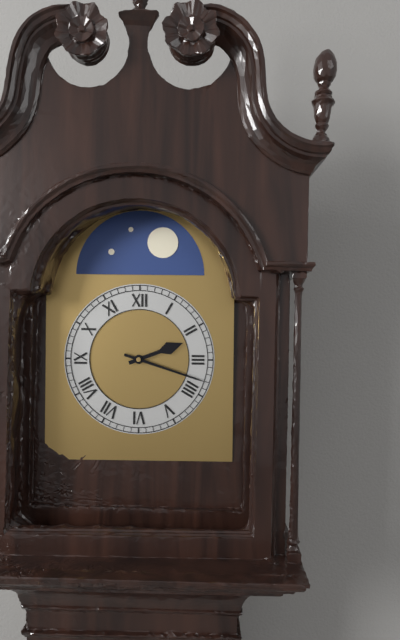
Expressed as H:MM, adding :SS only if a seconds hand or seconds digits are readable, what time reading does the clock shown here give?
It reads 2:18
